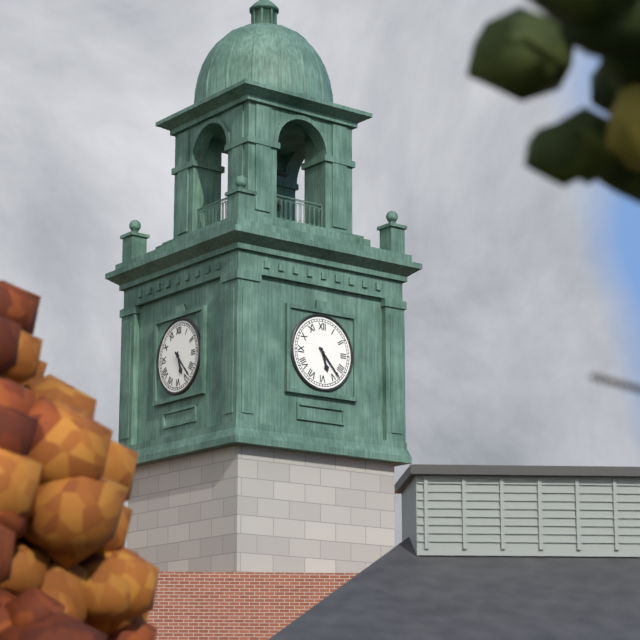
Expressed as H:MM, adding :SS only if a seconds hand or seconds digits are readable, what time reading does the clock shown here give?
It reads 5:23
